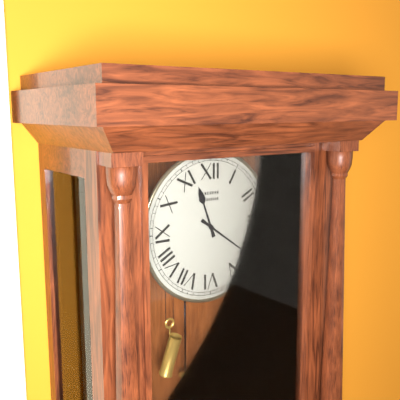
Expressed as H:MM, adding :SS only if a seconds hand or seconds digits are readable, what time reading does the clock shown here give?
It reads 11:21
